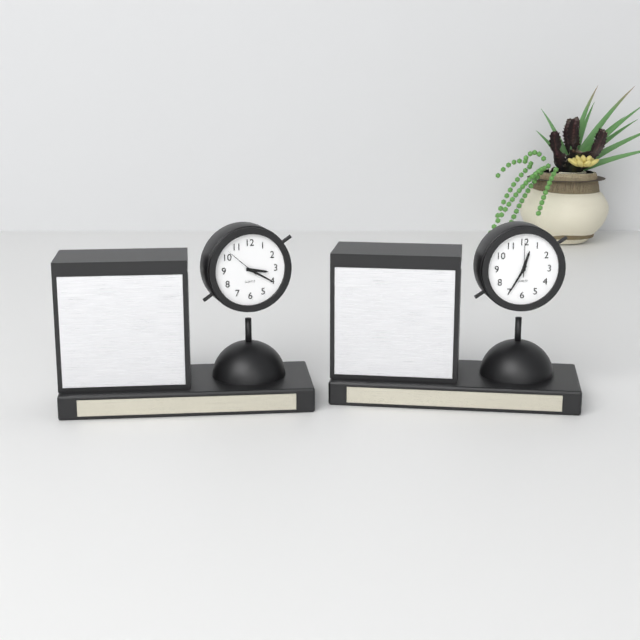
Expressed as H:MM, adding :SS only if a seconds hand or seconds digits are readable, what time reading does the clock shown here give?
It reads 3:20
